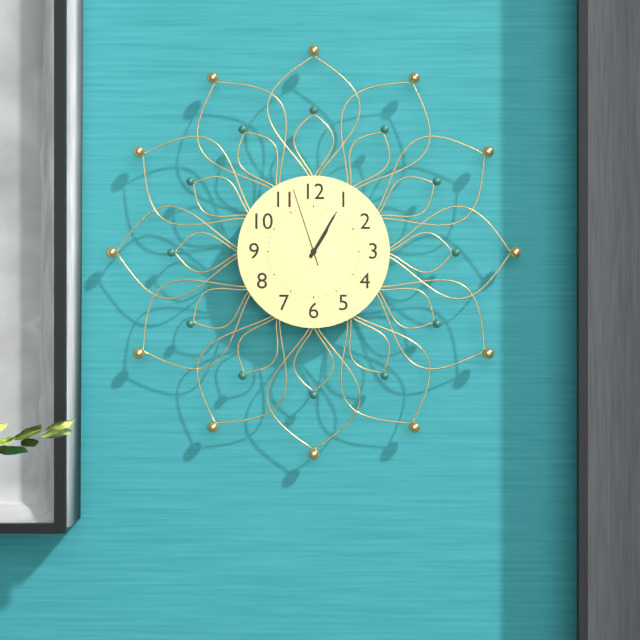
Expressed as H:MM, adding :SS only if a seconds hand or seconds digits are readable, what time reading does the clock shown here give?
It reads 1:05:57
